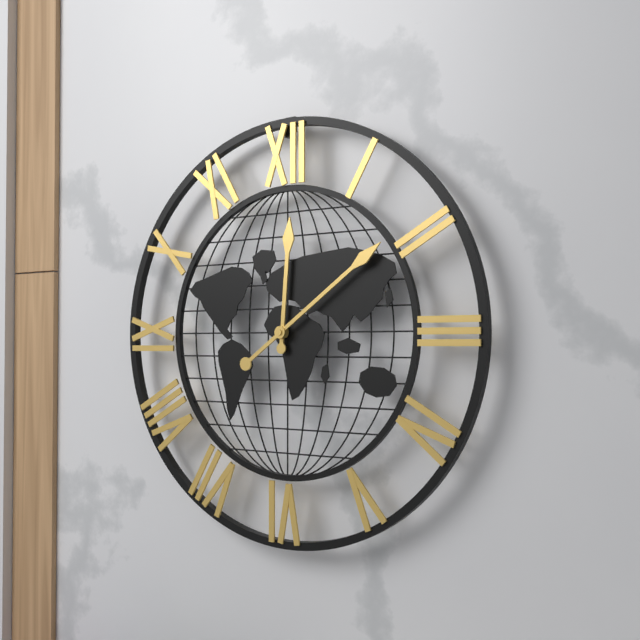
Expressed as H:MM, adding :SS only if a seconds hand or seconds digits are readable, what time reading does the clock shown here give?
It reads 12:09
